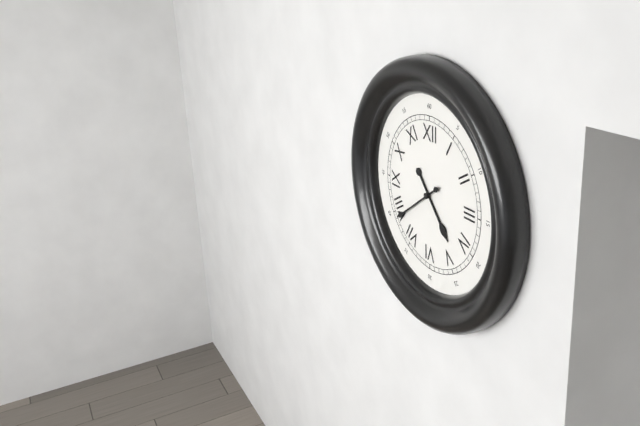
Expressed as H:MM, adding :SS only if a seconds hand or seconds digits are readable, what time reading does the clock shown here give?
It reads 4:39
